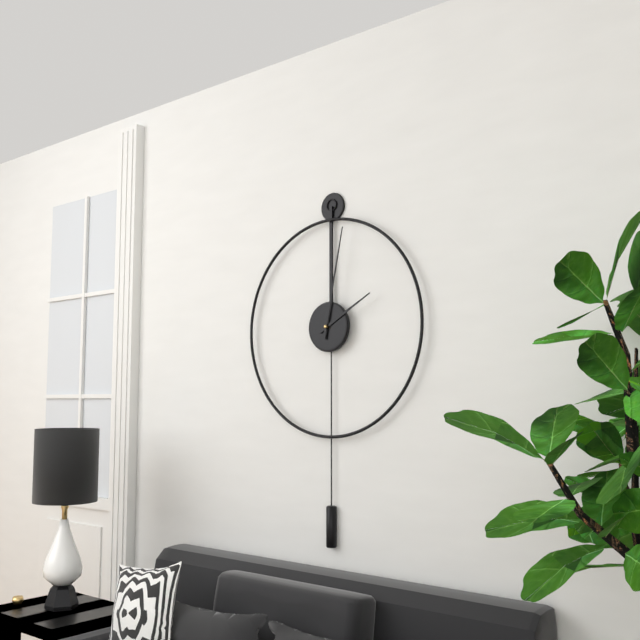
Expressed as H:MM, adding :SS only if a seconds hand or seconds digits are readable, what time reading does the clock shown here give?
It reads 2:02
